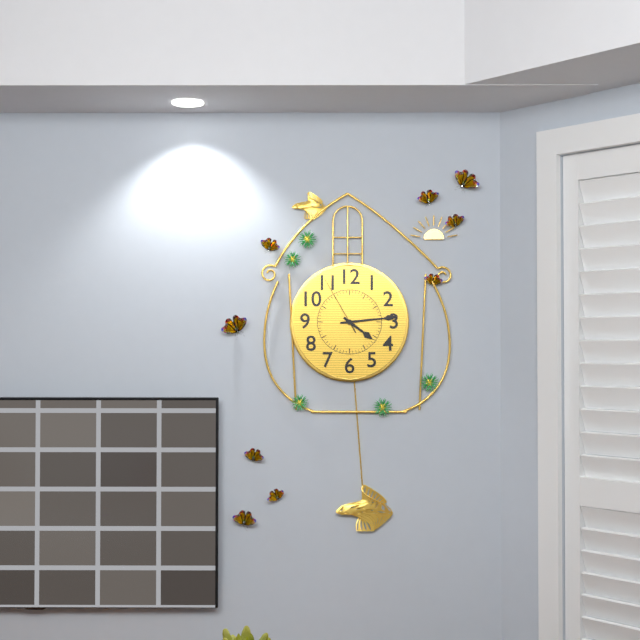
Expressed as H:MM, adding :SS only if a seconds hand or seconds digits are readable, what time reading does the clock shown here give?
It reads 4:14:55
